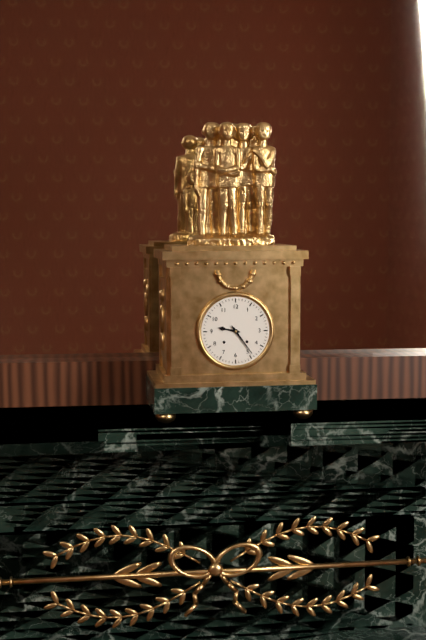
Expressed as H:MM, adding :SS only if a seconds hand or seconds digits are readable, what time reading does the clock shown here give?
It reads 9:24
